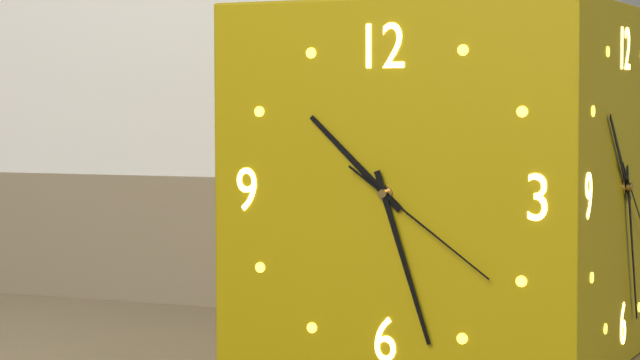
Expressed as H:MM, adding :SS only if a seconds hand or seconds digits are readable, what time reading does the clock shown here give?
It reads 10:27:21
